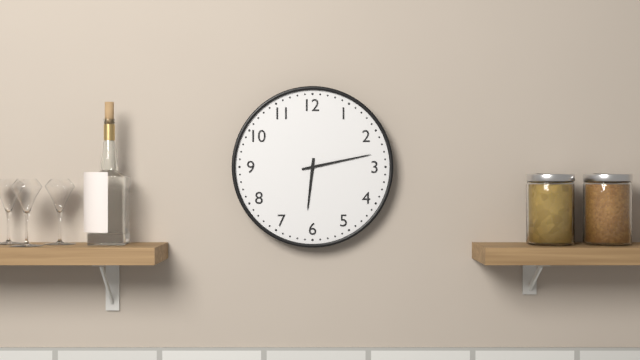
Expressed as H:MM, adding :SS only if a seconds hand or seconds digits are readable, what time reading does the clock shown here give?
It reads 6:13
